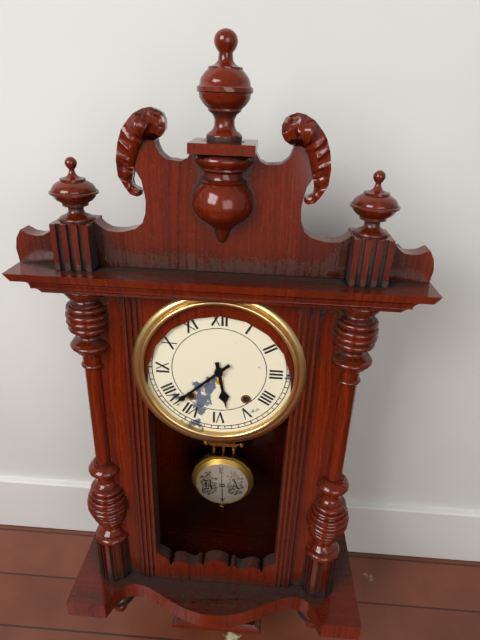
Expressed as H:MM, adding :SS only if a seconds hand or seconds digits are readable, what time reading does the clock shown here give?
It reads 5:38
